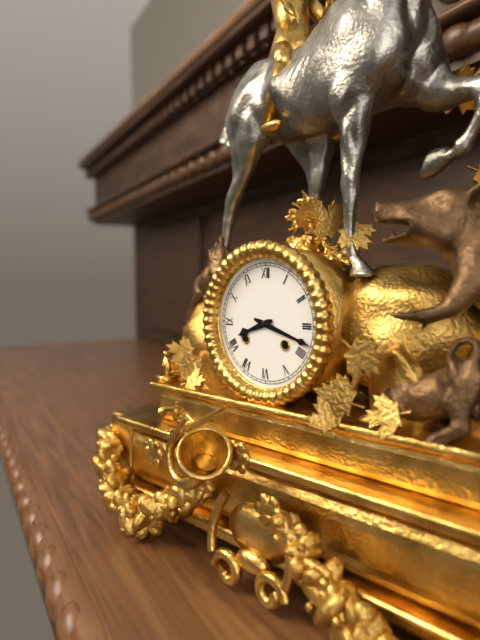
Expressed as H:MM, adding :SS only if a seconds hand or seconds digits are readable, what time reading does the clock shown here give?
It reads 8:18
